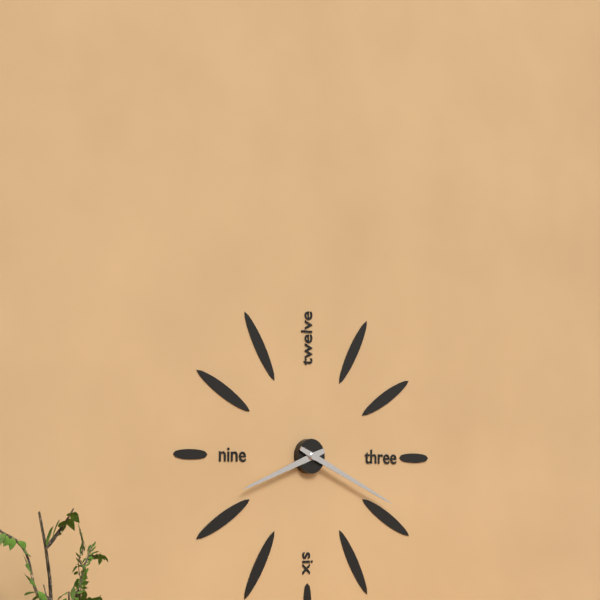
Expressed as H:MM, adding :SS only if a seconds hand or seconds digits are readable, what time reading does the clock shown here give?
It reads 8:19
